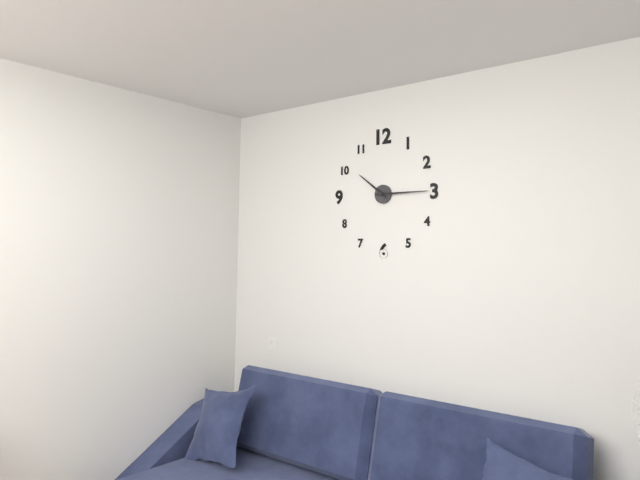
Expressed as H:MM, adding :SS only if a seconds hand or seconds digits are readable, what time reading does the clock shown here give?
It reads 10:15
